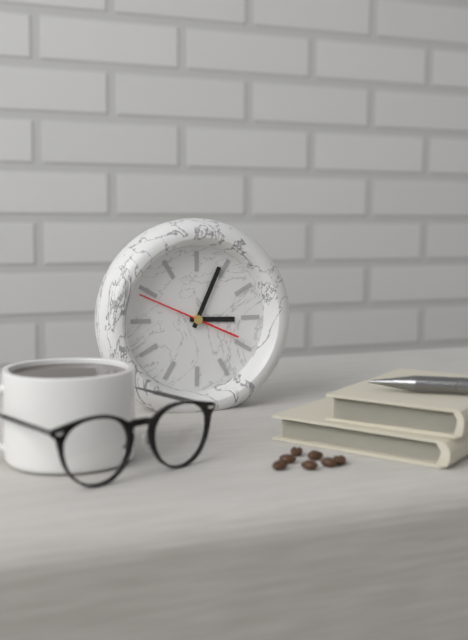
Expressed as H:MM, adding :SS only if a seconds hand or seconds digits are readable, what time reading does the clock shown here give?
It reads 3:04:49
